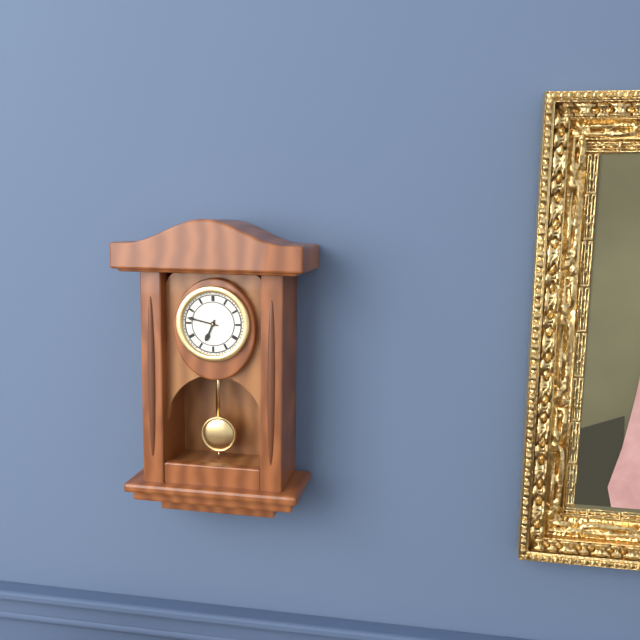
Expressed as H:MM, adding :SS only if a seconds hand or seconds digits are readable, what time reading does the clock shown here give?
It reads 6:47
